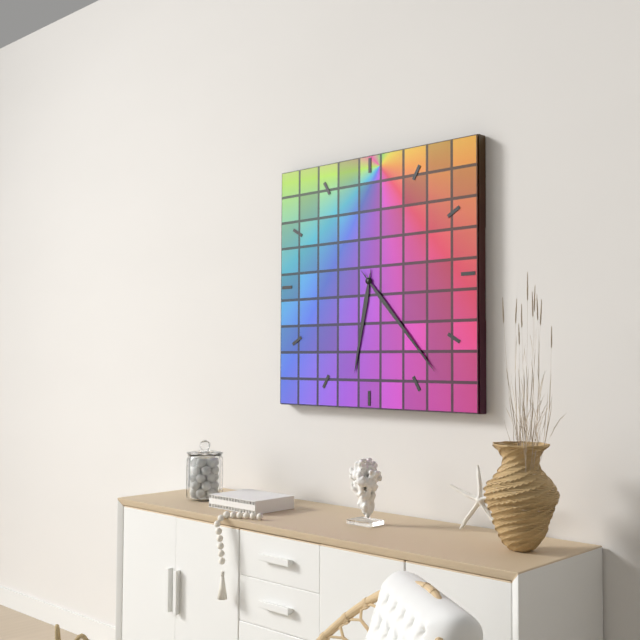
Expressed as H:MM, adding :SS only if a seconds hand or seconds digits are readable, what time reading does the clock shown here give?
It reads 6:23
